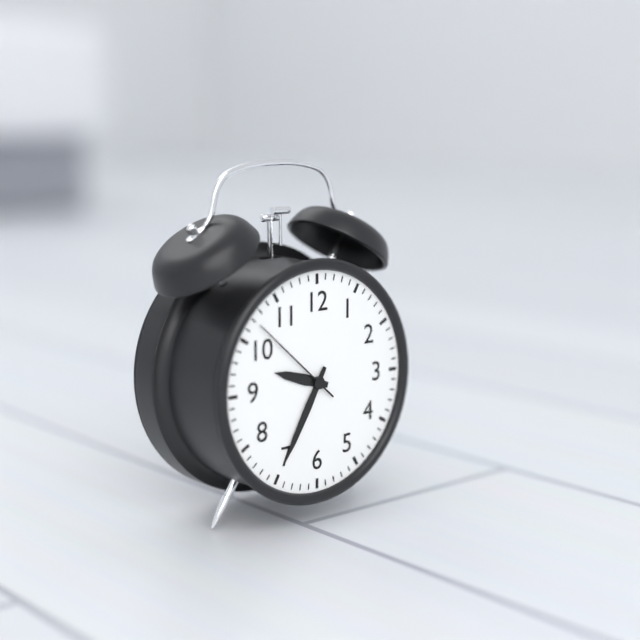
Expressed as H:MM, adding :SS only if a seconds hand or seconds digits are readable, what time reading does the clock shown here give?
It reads 9:35:52
